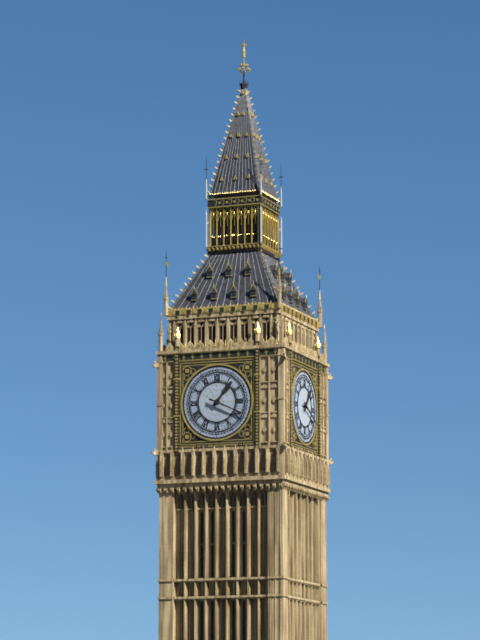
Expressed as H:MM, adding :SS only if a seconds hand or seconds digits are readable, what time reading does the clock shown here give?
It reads 1:19
